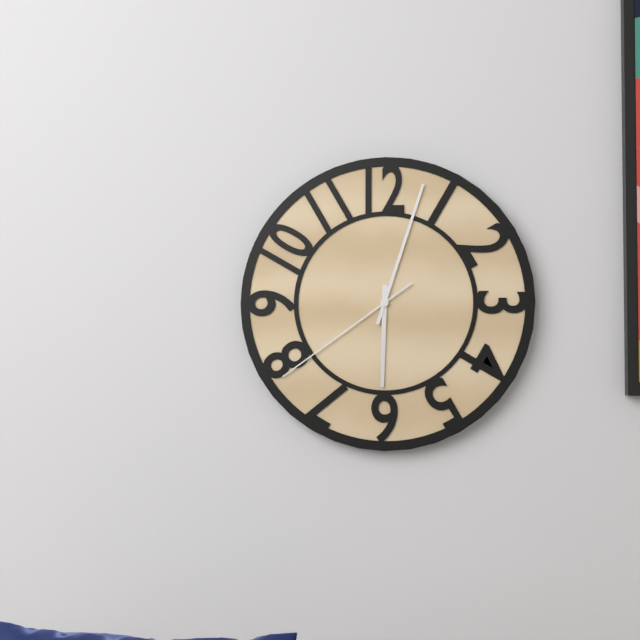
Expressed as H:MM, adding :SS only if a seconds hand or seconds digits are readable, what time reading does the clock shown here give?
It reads 6:03:39
